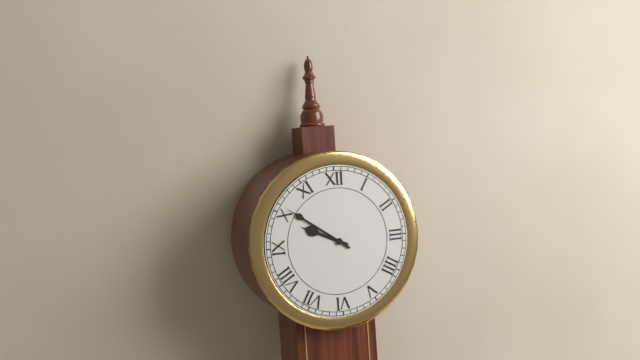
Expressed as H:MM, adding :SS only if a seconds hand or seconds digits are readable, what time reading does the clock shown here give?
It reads 9:51
